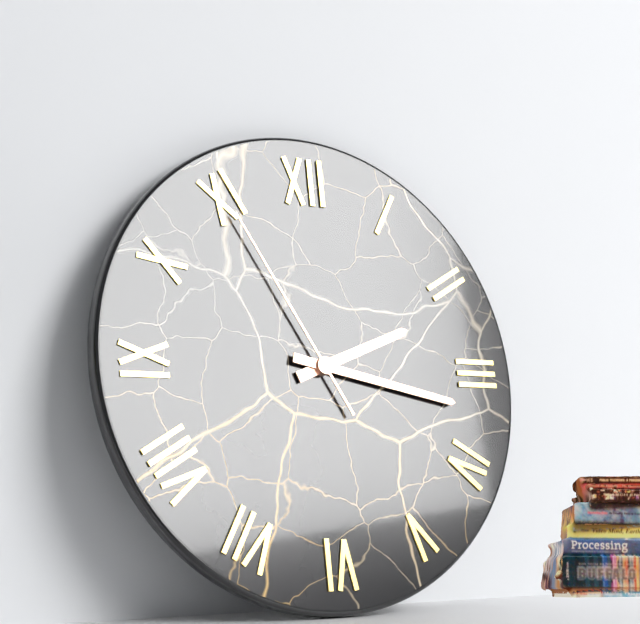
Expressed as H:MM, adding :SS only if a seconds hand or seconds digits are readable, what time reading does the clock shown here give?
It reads 2:17:55
